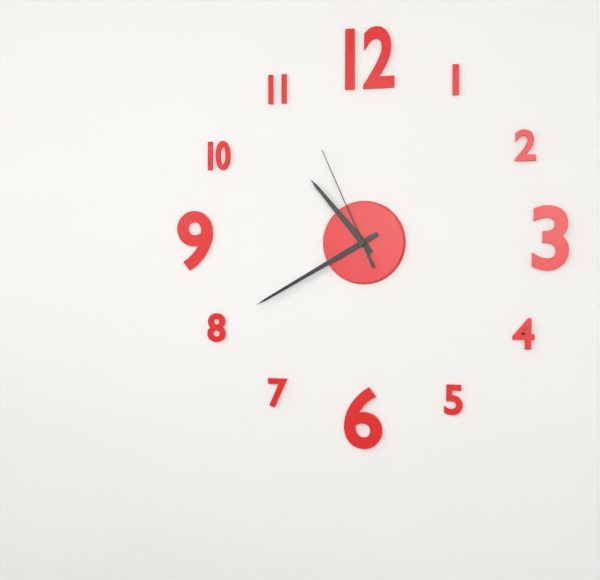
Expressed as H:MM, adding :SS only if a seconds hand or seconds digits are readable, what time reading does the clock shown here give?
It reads 10:40:56
